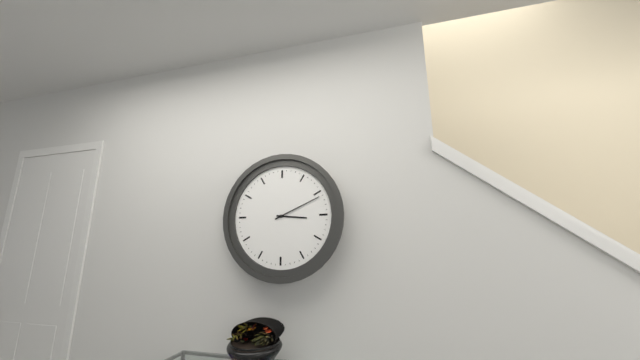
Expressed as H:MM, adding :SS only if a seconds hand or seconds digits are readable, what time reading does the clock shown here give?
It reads 3:11
